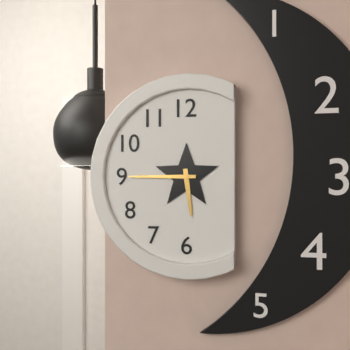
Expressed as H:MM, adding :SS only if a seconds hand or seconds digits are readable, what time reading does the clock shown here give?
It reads 5:45
